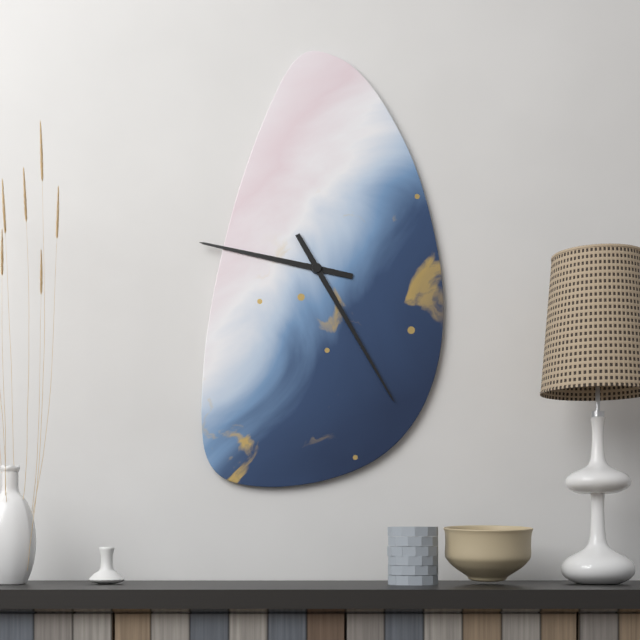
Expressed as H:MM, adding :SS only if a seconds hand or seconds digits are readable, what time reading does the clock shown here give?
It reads 9:25
